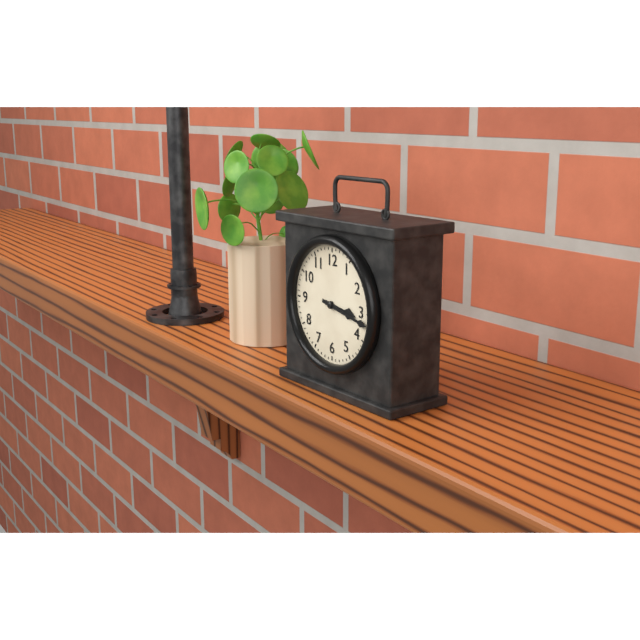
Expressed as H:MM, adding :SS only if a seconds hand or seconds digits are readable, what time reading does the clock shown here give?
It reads 3:17
